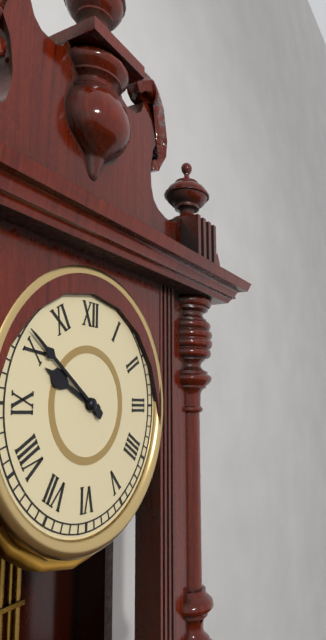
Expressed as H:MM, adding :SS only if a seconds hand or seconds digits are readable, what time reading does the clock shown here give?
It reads 9:51
